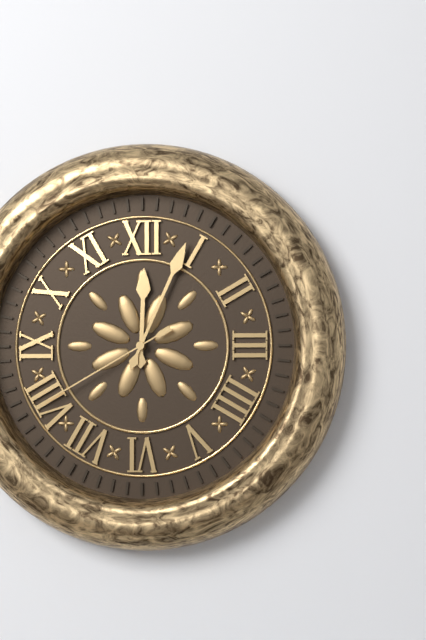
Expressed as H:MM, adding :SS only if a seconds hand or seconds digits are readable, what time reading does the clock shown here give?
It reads 12:04:40
